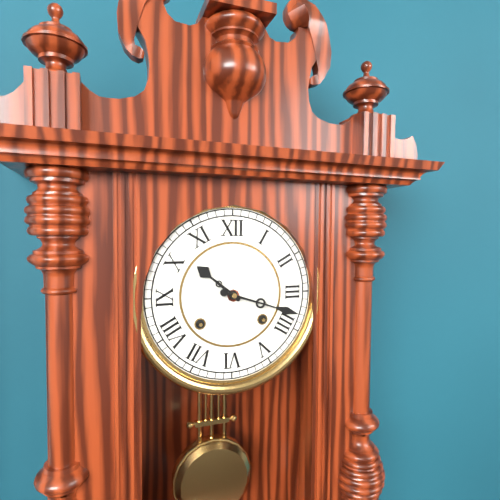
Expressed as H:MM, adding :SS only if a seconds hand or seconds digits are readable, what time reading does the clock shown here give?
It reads 10:18
